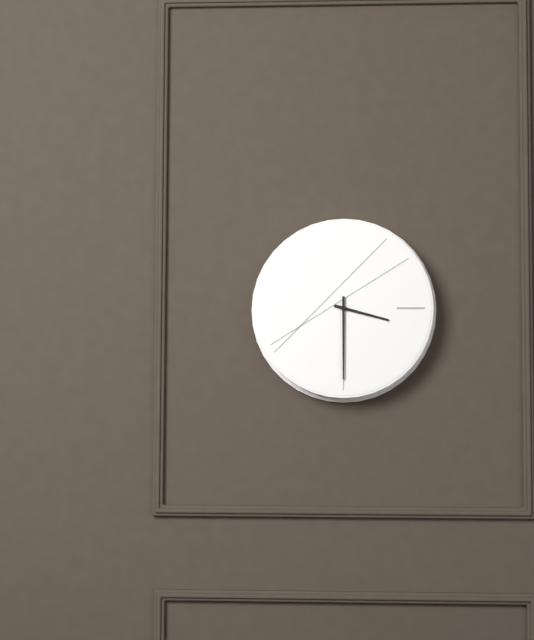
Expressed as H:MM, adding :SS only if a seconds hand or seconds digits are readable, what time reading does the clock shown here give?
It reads 3:30
